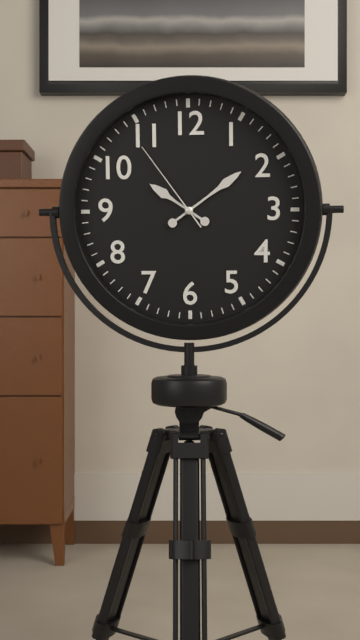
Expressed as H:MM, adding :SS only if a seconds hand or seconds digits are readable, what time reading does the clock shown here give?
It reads 10:09:54
